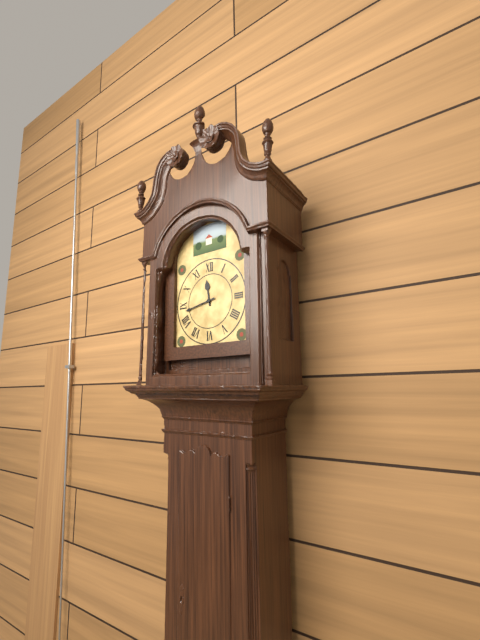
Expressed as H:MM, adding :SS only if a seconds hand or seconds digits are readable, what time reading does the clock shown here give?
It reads 11:43
